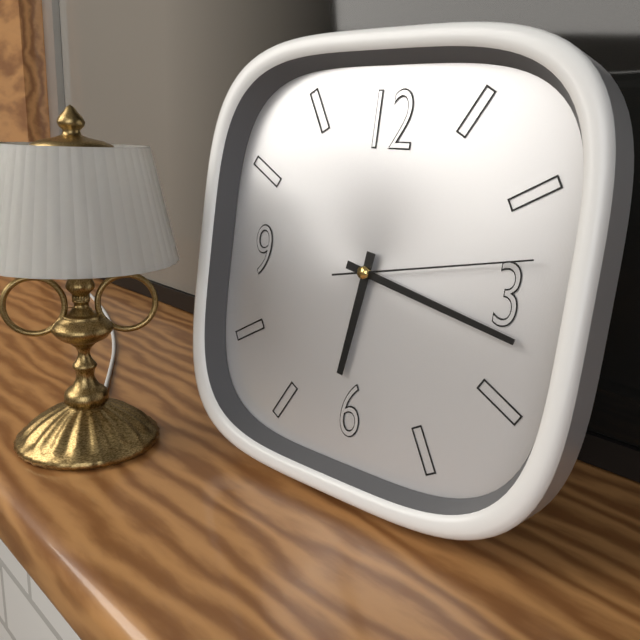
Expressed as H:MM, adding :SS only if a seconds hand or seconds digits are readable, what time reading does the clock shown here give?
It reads 6:17:13
